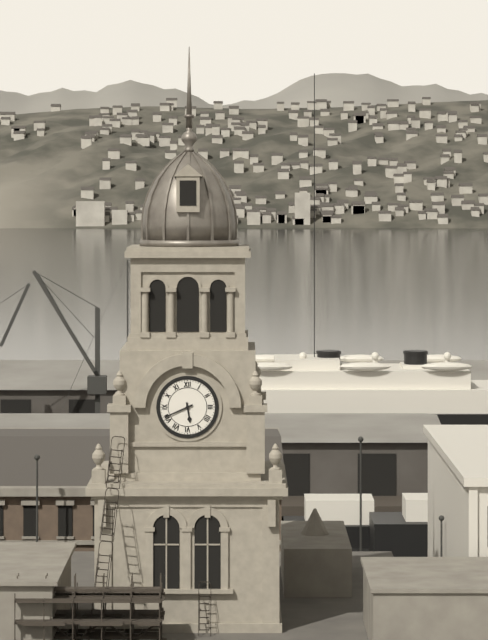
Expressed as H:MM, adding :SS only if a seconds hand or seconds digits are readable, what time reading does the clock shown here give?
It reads 5:41
